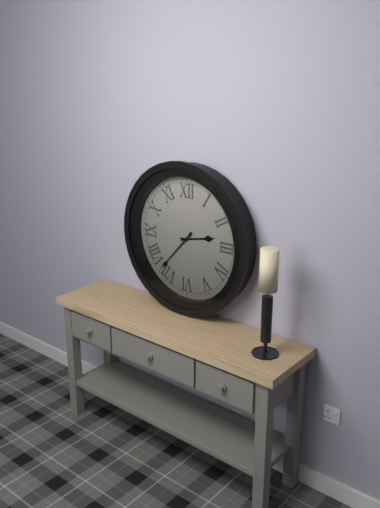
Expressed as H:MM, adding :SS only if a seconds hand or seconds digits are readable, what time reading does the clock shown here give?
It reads 2:37
